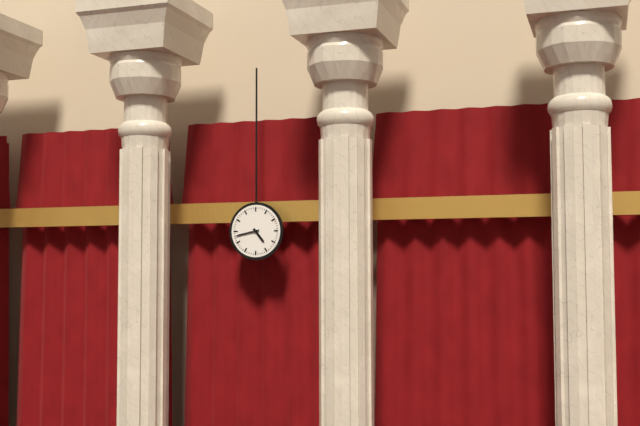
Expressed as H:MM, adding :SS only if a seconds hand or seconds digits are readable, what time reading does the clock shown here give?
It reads 4:43
